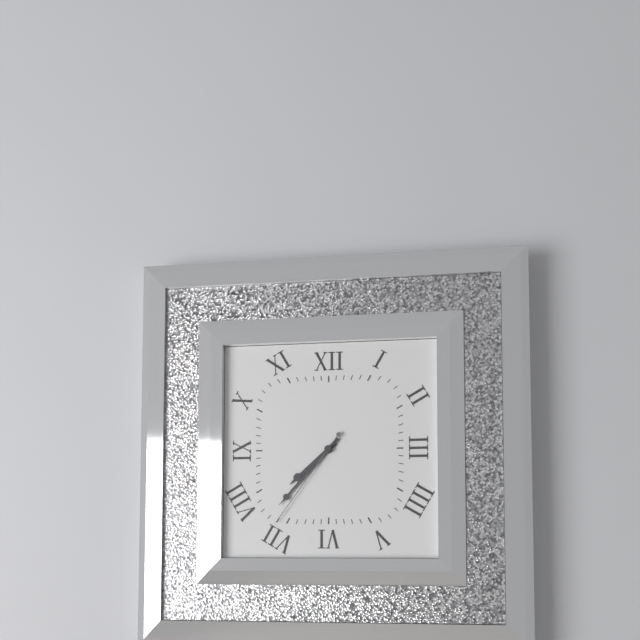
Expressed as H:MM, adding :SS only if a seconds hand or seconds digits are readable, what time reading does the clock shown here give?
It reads 7:37:36
